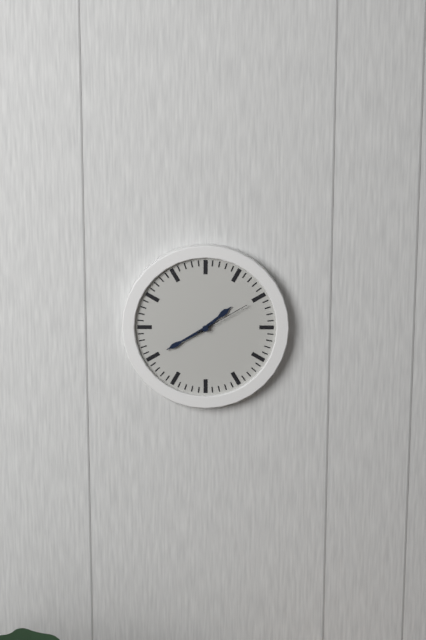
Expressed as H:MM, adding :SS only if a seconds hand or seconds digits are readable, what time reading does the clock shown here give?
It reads 1:40:10
